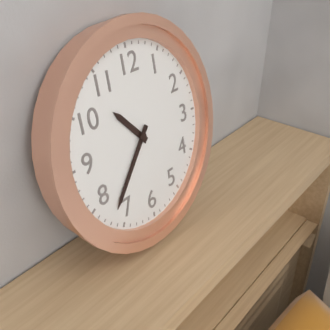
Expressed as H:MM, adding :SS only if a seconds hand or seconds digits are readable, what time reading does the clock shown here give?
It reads 10:37
